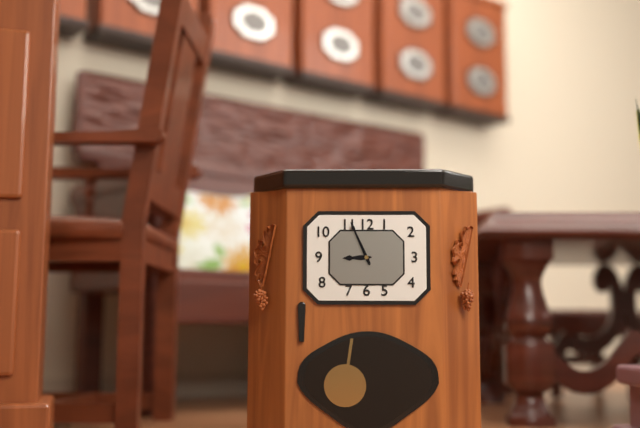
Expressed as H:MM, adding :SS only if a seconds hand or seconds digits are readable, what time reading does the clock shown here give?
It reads 8:56
